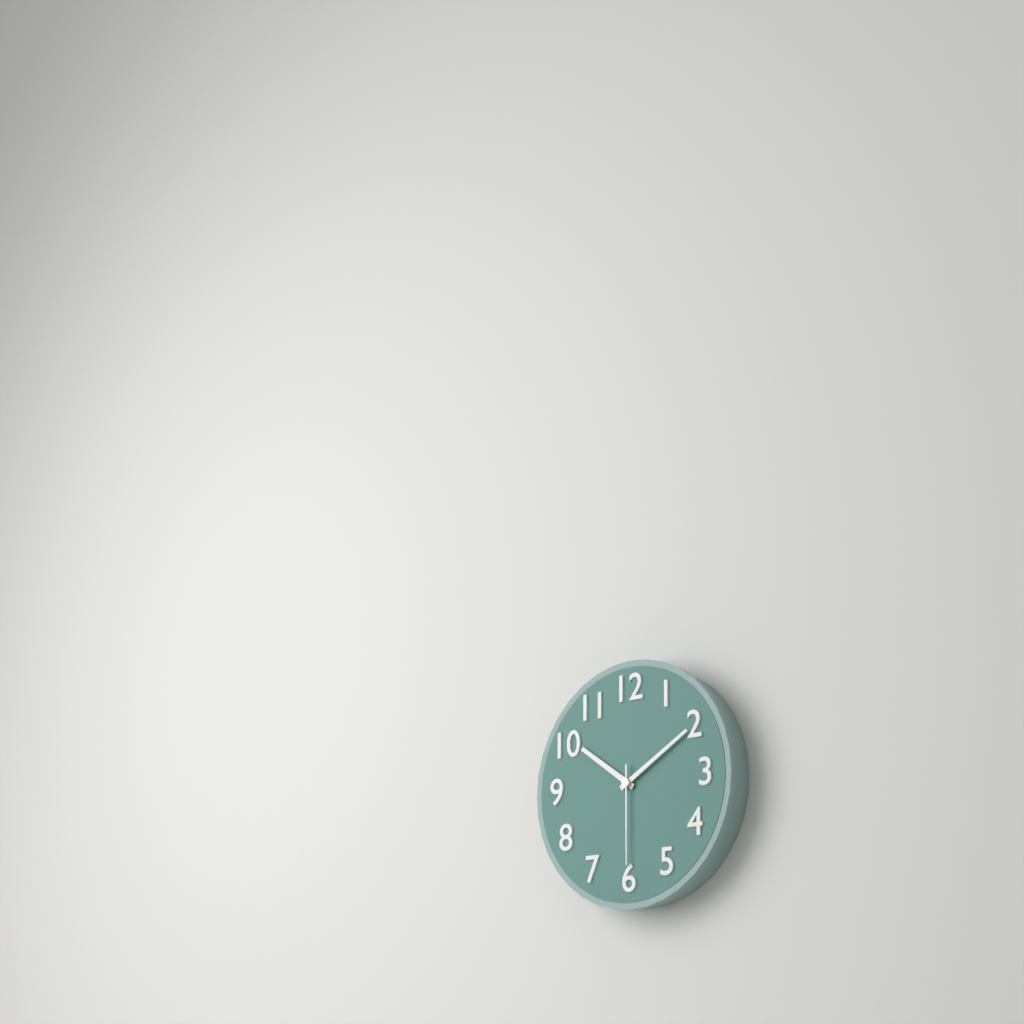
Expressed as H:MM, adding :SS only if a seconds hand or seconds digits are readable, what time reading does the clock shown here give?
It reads 10:10:30
